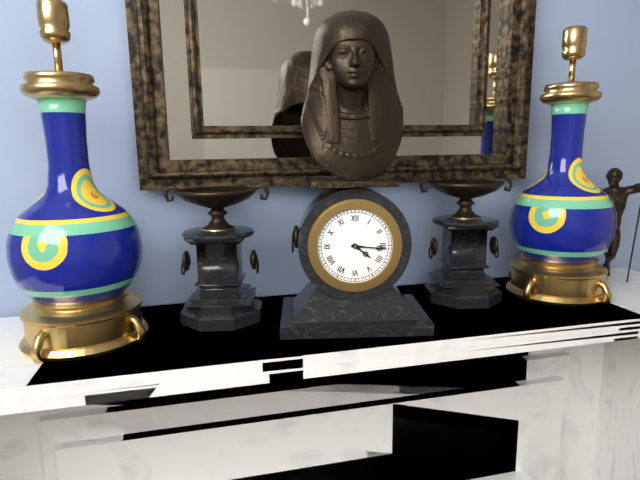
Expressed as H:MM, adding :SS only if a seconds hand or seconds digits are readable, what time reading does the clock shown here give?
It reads 4:16
